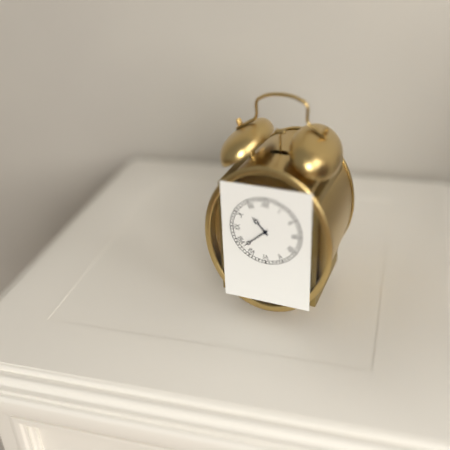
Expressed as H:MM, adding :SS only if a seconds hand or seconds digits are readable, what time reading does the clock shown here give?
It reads 10:38
